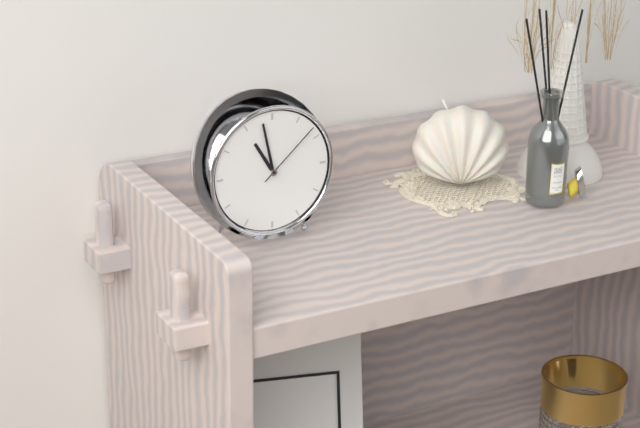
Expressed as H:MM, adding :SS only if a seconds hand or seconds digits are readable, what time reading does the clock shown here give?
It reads 10:58:08
